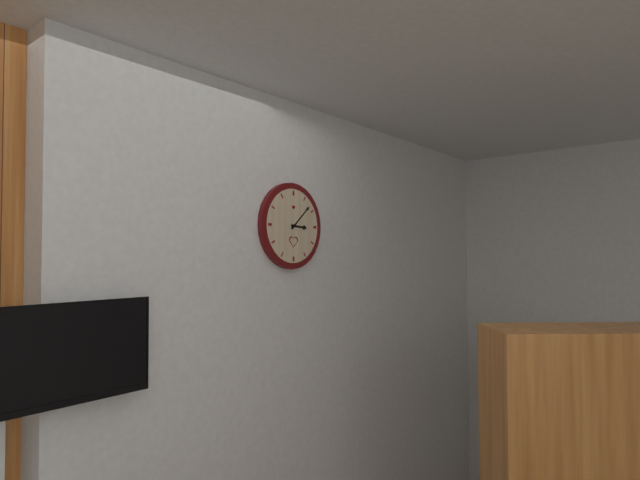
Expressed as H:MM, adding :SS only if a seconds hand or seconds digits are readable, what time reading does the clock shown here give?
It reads 3:08
